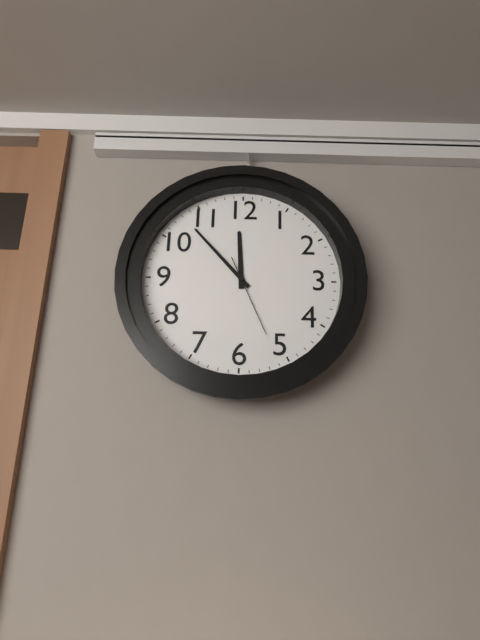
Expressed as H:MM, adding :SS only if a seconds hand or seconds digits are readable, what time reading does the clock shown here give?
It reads 11:53:26
